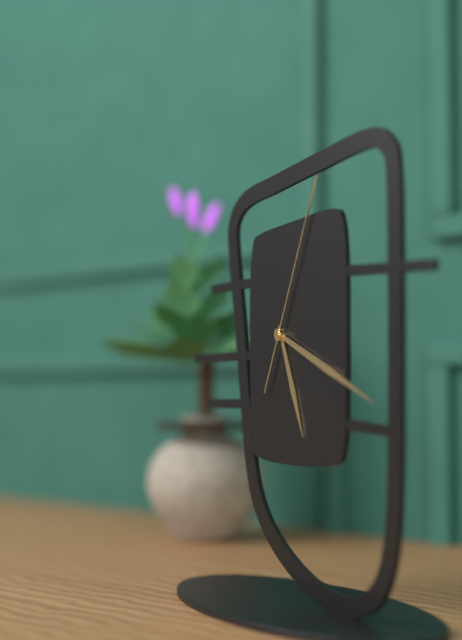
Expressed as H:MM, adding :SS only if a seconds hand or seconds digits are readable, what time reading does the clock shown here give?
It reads 5:19:04
